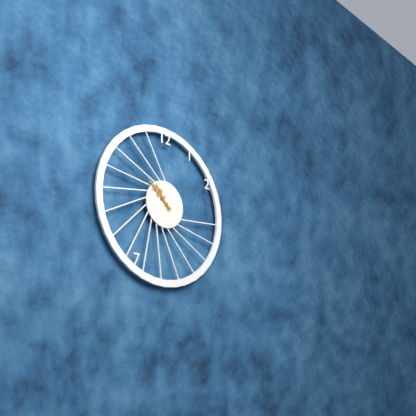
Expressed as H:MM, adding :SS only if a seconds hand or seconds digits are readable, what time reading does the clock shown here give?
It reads 10:52
